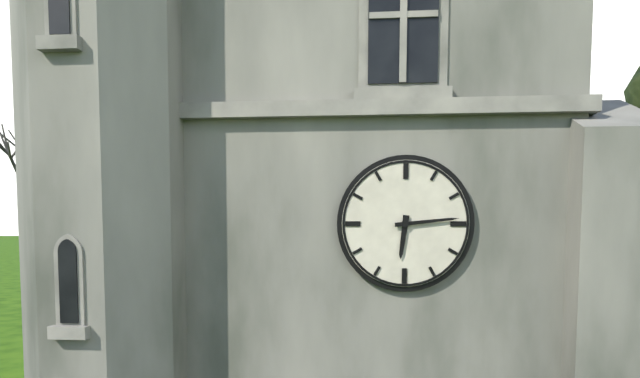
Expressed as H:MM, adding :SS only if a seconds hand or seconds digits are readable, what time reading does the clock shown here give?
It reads 6:14
